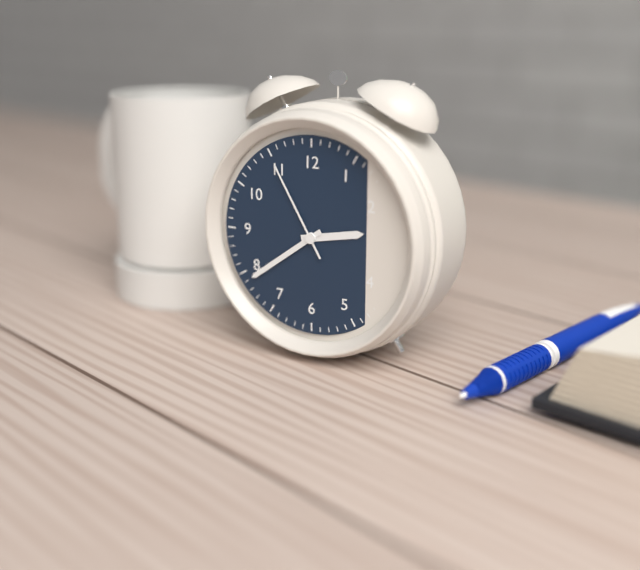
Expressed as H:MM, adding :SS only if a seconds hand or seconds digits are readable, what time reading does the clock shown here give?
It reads 2:39:55
